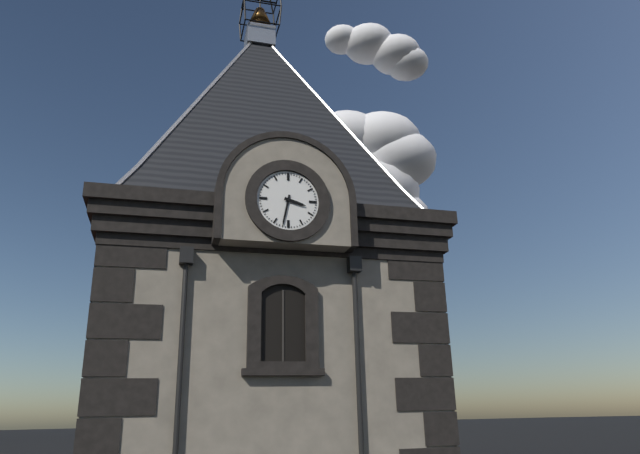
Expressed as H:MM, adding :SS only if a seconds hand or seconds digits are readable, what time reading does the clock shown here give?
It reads 3:32
